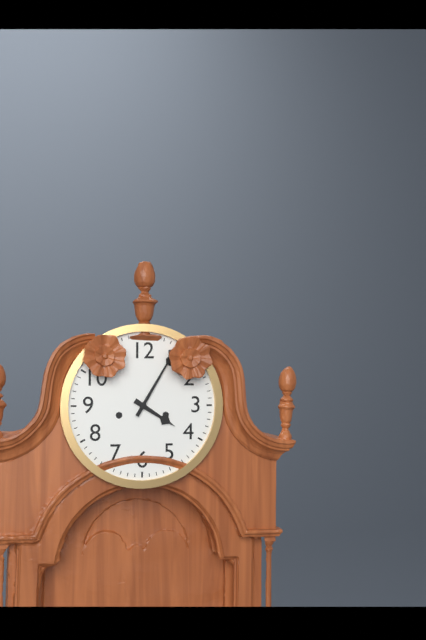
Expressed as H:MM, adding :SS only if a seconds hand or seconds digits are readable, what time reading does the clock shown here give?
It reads 4:05
